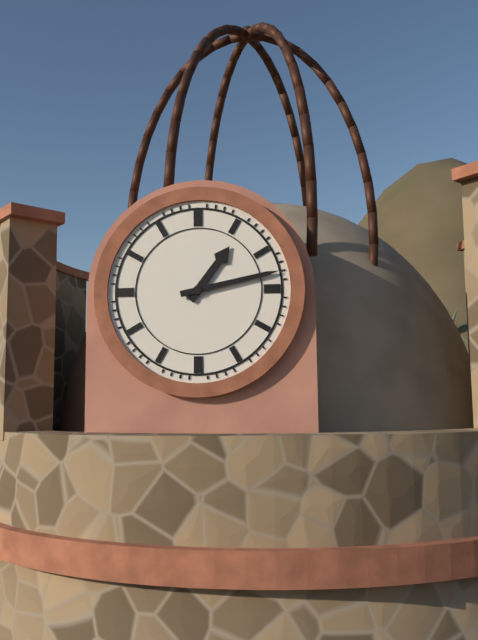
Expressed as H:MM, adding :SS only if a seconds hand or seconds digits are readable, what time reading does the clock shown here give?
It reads 1:13
